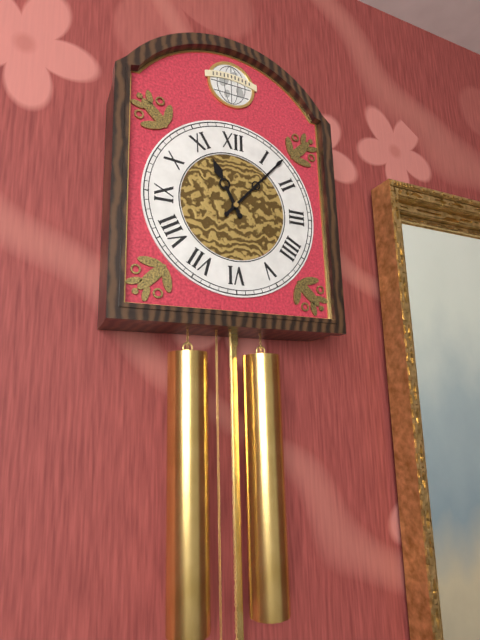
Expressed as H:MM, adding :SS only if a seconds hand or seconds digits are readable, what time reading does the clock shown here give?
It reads 11:07
